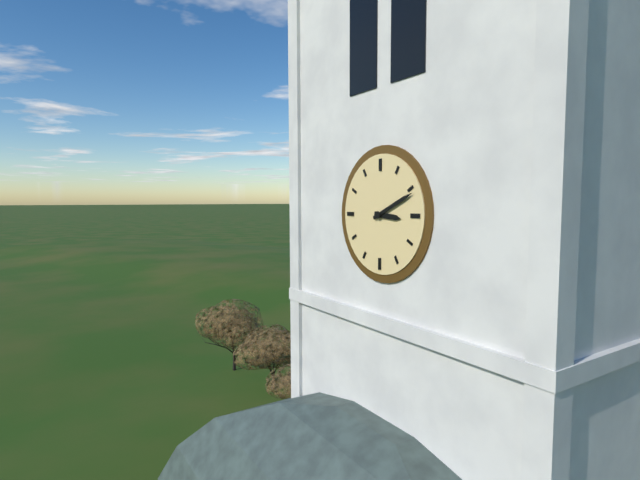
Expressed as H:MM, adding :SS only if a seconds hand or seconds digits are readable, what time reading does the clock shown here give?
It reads 3:11
